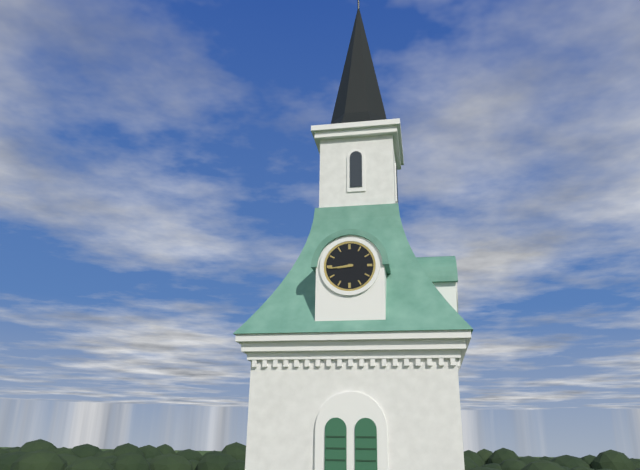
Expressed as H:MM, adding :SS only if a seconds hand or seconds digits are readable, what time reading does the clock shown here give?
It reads 8:44
